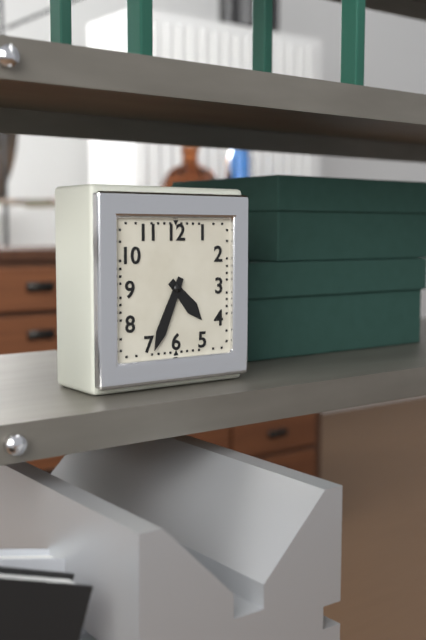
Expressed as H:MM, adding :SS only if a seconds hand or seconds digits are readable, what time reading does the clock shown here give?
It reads 4:34
